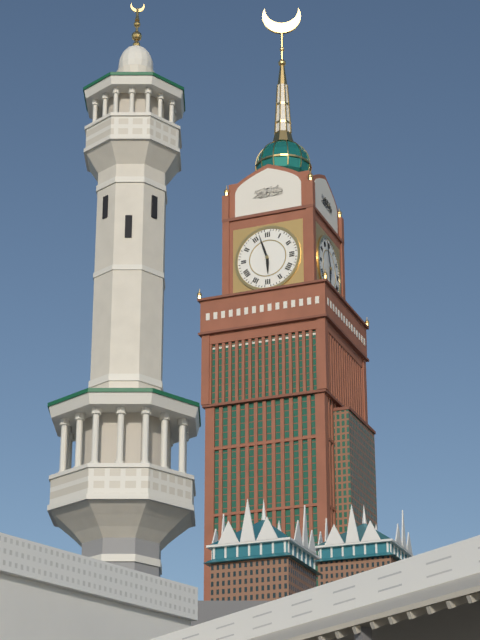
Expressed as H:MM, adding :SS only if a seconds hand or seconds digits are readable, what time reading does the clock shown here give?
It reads 5:57
